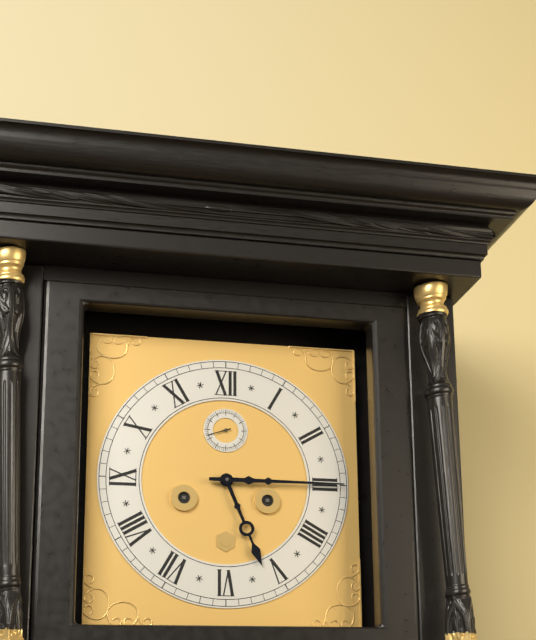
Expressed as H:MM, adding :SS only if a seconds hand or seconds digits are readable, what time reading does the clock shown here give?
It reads 5:15
